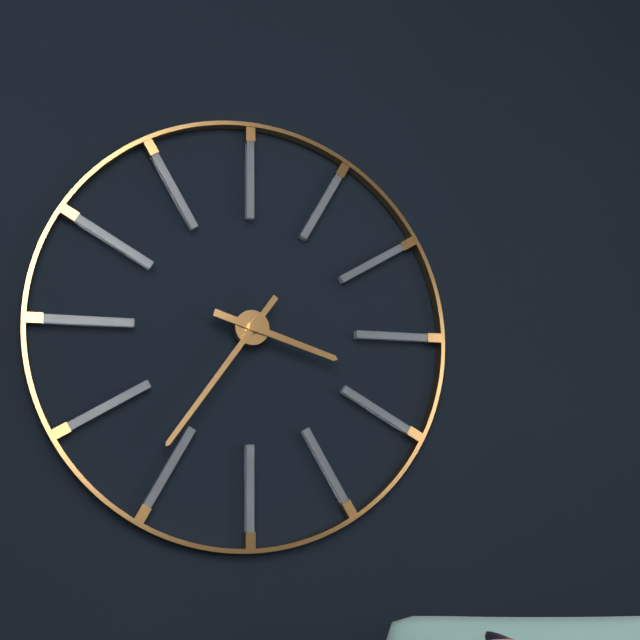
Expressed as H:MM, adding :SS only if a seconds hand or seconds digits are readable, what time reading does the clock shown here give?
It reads 3:36
